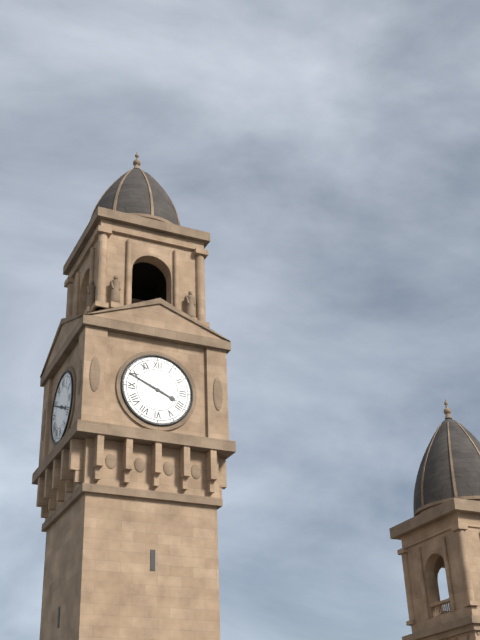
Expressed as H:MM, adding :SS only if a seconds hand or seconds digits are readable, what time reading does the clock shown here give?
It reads 3:49
